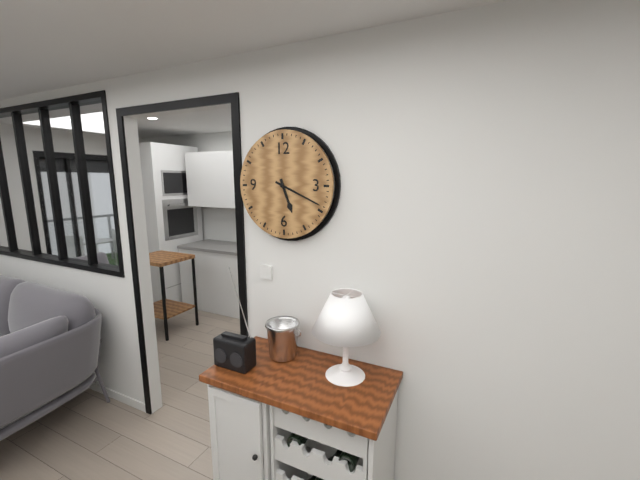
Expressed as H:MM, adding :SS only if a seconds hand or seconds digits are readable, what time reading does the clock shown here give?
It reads 5:19
